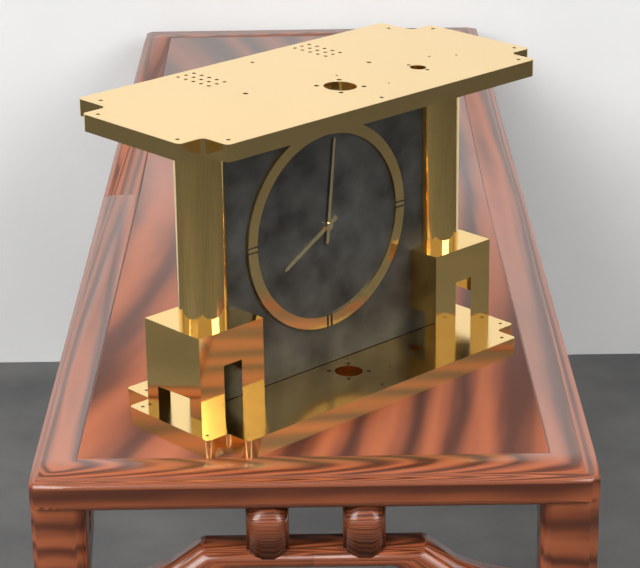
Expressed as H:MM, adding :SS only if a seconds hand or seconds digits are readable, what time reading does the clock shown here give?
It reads 8:01
